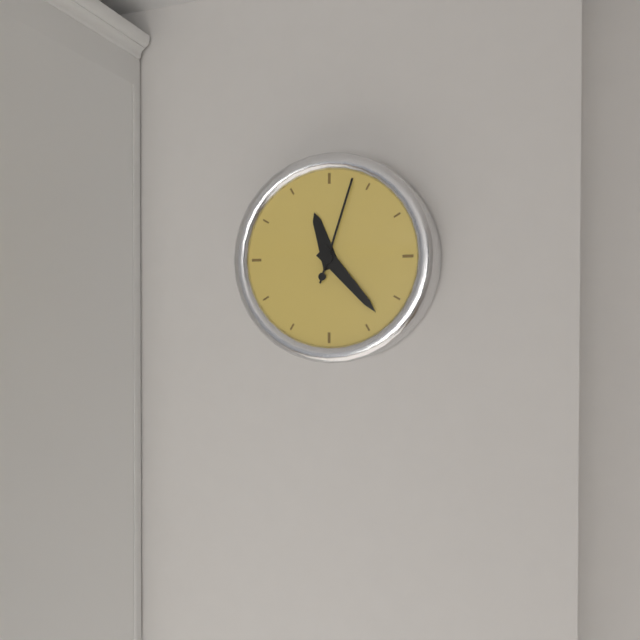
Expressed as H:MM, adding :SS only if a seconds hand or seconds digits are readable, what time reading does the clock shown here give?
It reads 11:23:03
